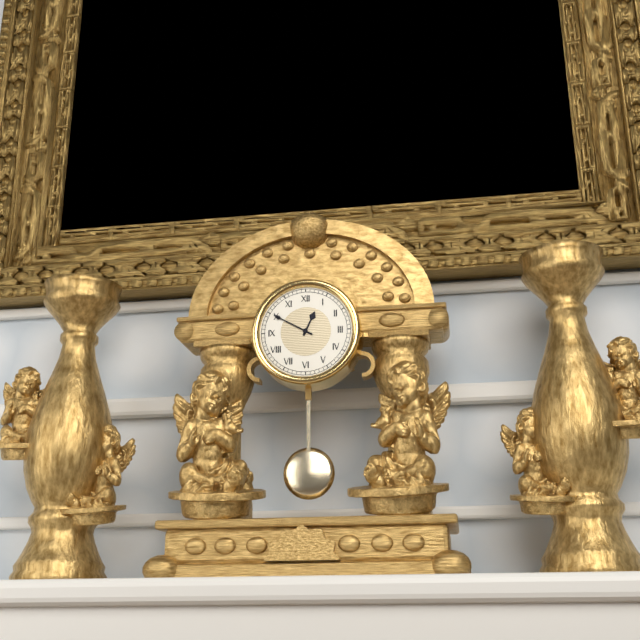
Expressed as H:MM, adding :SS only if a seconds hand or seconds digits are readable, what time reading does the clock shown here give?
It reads 12:50
